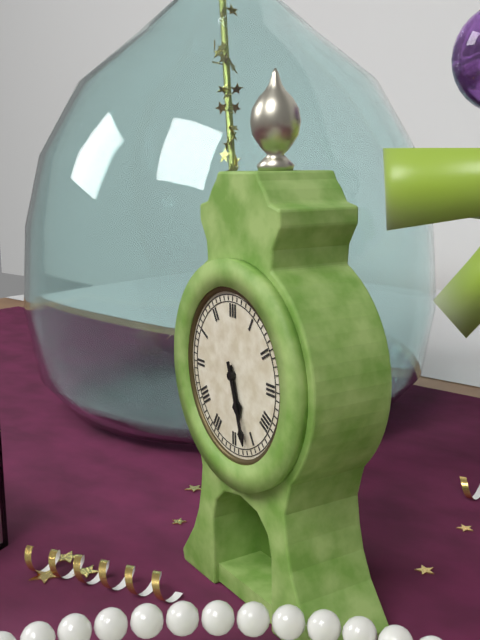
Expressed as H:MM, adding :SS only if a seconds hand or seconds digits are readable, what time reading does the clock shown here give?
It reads 5:27
